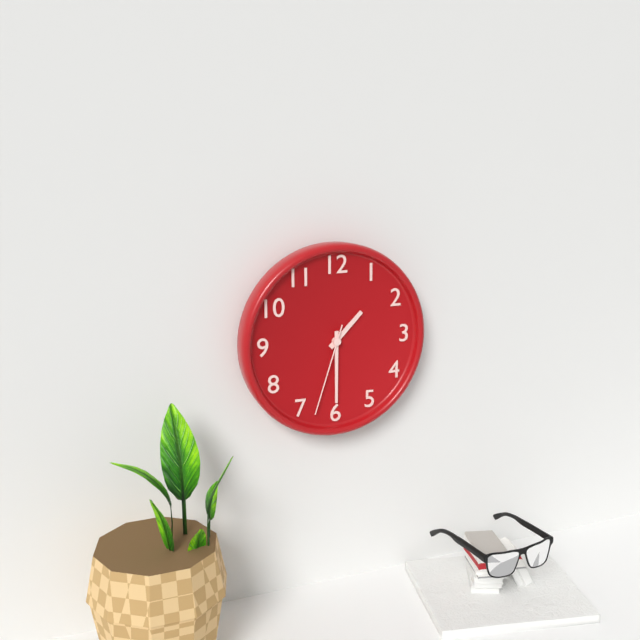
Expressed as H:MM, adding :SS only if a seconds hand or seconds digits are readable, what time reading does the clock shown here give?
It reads 1:30:33
